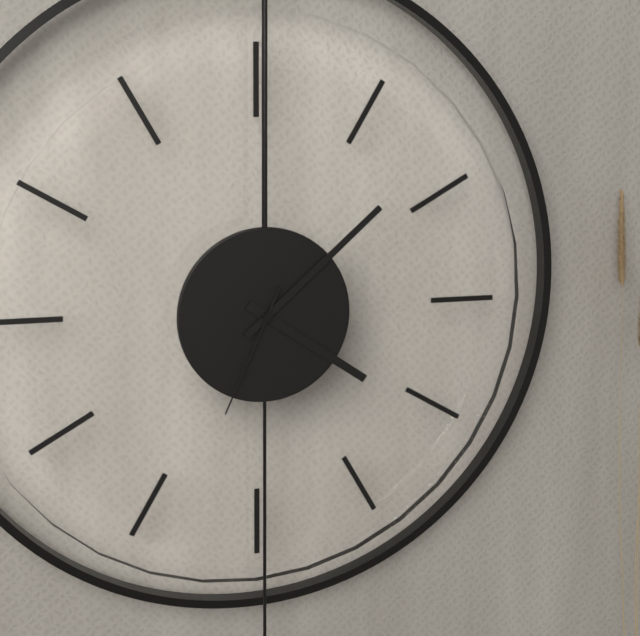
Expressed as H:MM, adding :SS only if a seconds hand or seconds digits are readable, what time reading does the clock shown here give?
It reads 4:08:34
